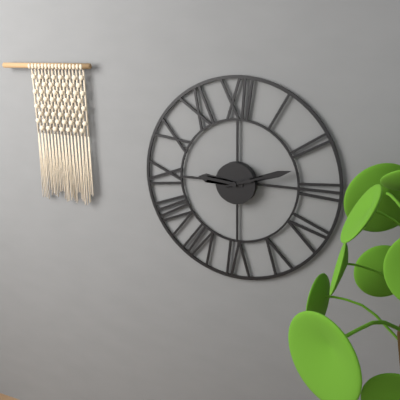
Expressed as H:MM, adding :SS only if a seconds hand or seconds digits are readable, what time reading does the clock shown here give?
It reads 9:12
